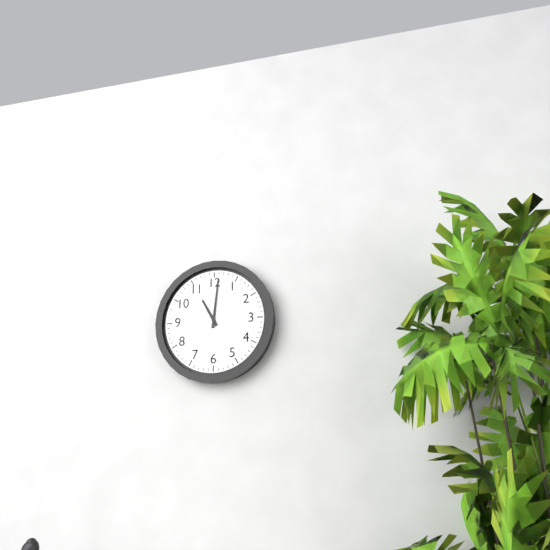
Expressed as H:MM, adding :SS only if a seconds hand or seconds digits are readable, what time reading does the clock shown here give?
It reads 11:01
